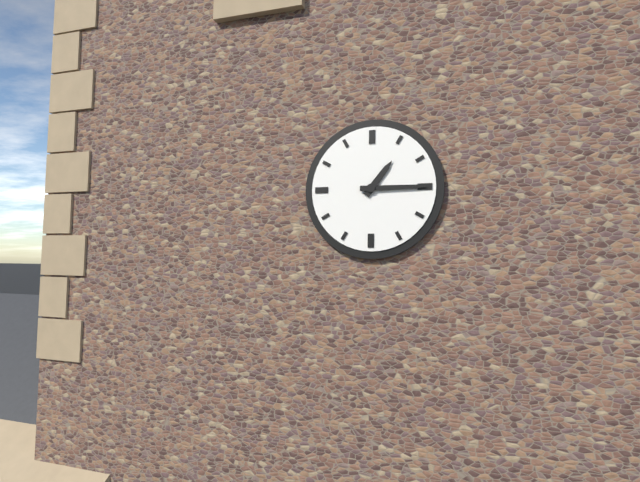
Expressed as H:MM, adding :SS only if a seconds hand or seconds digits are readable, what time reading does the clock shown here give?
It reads 1:15
